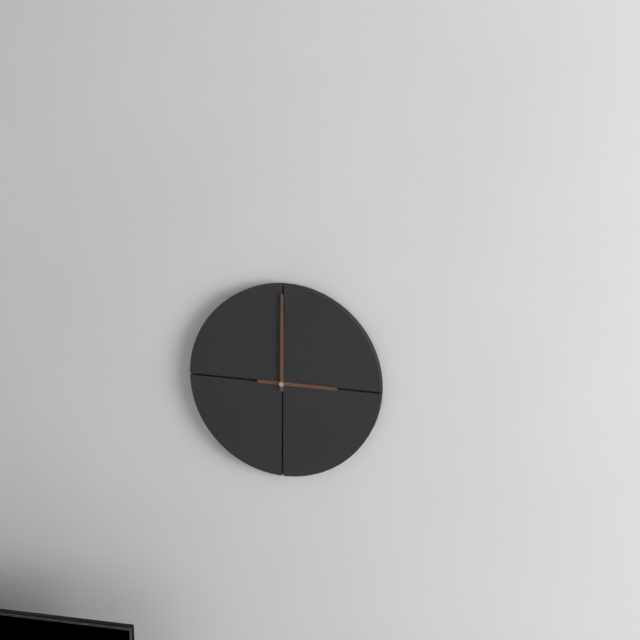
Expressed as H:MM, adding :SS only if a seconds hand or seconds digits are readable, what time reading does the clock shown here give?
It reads 3:00
